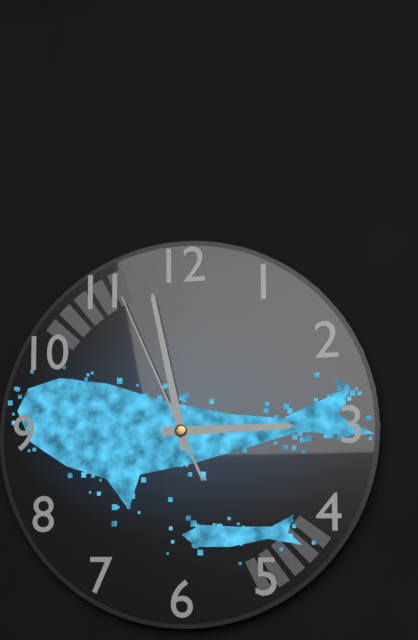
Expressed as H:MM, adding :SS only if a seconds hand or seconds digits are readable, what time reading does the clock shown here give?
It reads 2:58:56
